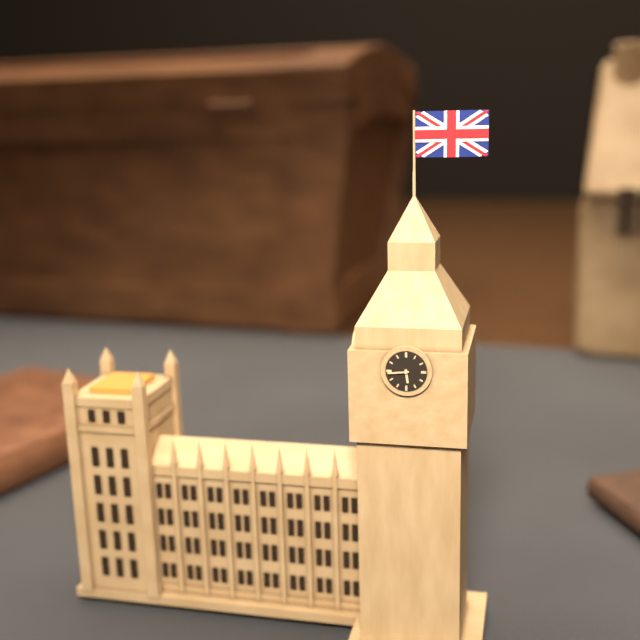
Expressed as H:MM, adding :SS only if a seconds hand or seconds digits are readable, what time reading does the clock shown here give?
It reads 5:44
